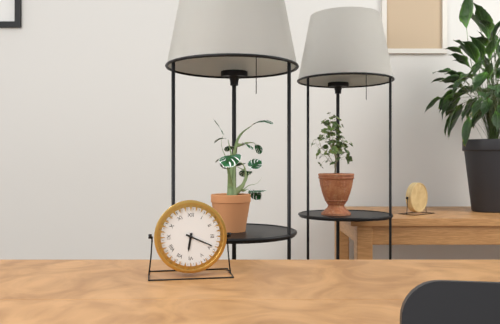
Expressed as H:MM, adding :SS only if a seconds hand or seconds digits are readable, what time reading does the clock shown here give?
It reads 6:19
